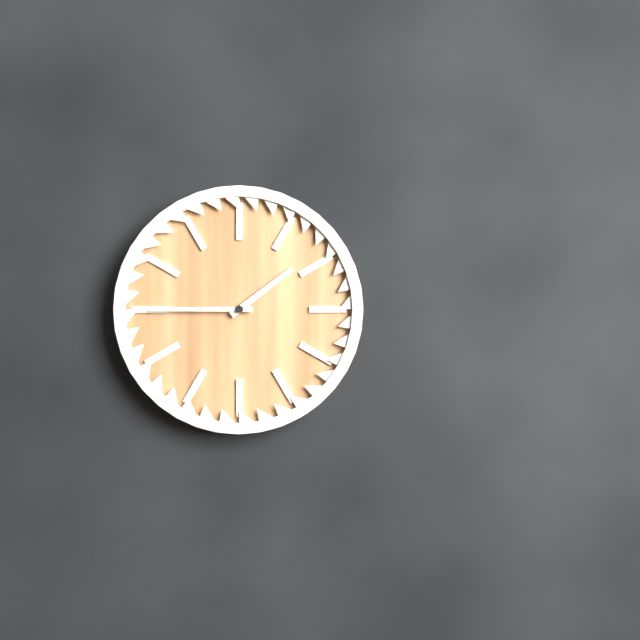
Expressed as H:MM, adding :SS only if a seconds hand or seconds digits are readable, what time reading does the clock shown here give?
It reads 1:45
